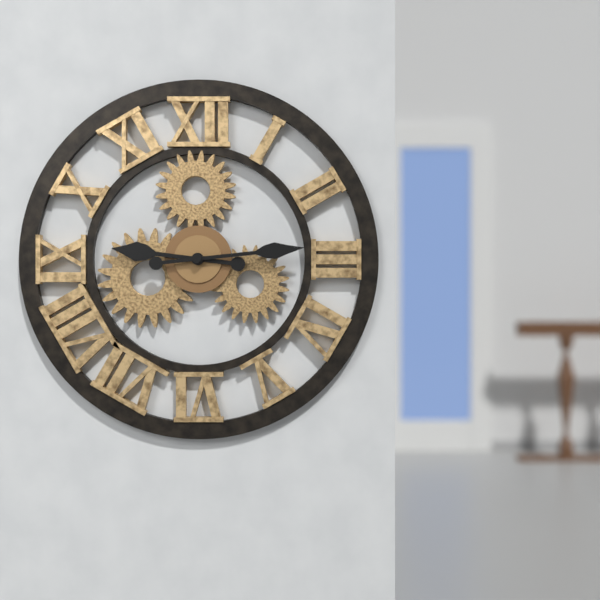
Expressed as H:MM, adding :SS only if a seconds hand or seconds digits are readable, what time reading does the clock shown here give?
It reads 9:14
